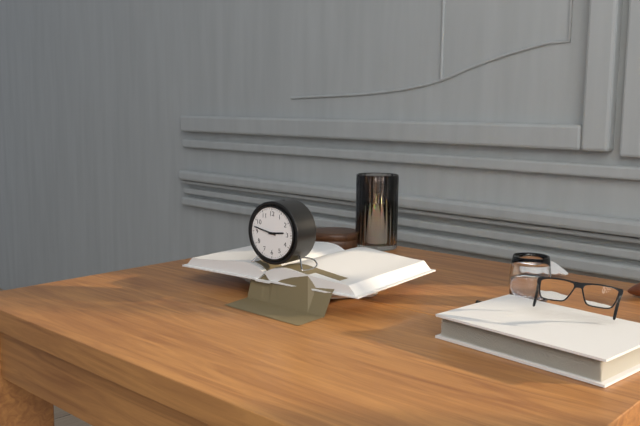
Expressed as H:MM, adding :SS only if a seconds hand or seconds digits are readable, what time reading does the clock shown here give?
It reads 2:47
